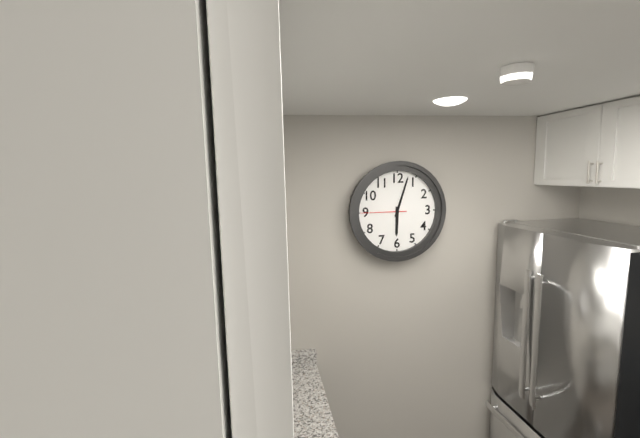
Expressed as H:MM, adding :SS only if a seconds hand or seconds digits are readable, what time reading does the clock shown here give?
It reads 6:03
